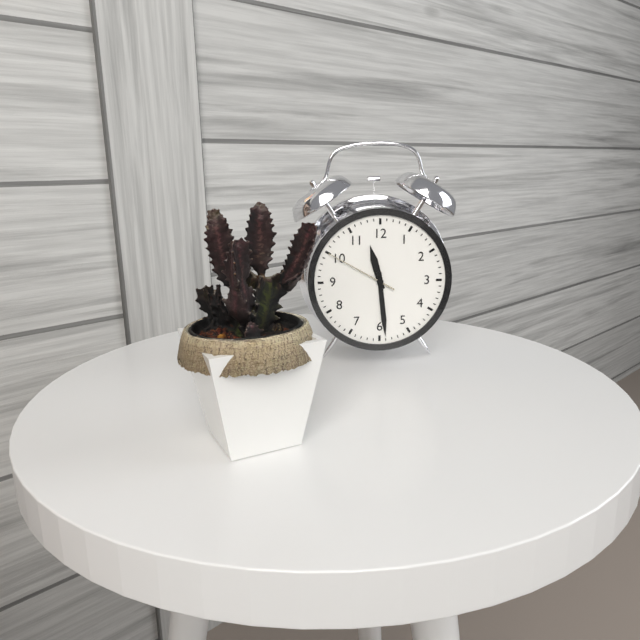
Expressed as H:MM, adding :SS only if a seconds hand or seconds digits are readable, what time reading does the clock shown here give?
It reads 11:29:50
